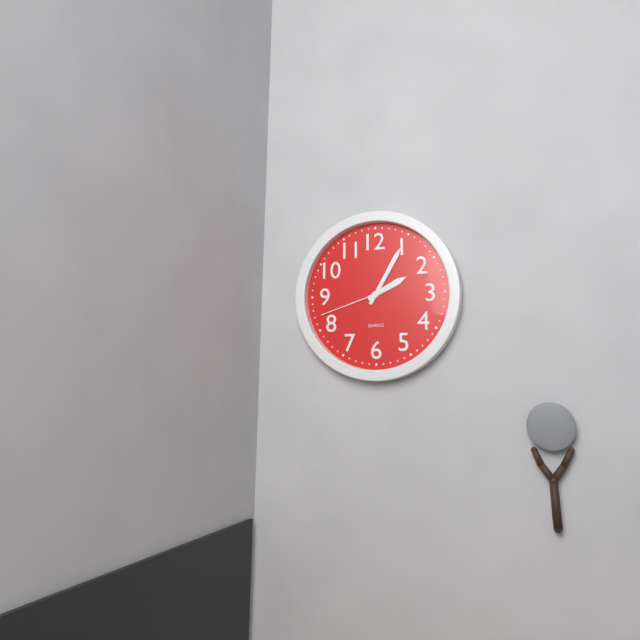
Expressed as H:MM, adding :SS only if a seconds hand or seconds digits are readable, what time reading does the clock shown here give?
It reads 2:05:42
